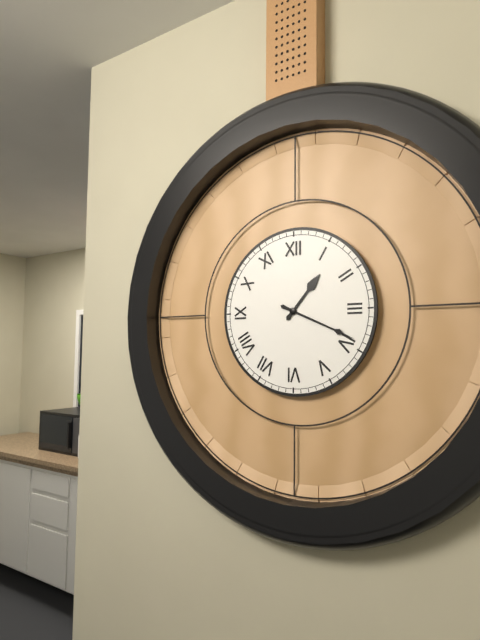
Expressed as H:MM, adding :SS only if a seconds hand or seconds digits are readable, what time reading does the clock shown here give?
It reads 1:19
